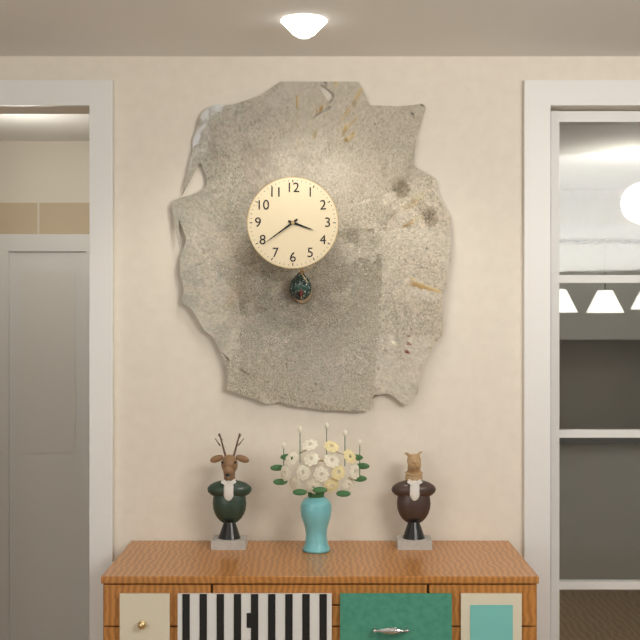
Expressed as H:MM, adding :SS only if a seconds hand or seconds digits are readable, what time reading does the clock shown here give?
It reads 3:39
